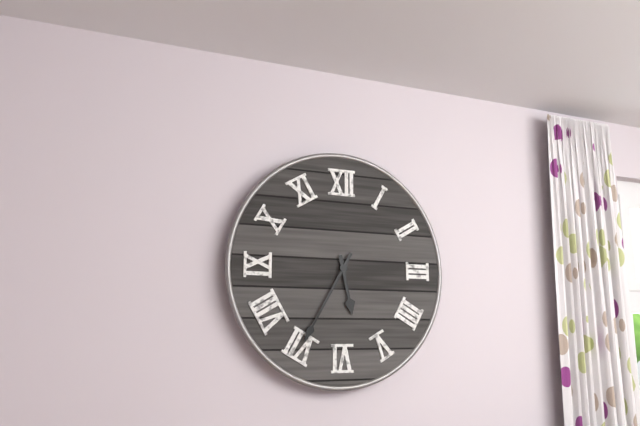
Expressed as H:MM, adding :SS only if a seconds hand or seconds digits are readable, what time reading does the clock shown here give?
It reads 5:35
